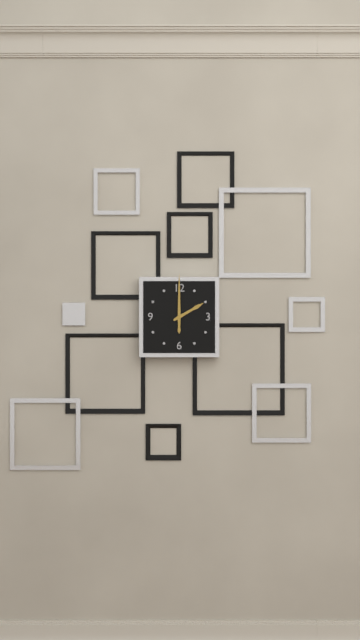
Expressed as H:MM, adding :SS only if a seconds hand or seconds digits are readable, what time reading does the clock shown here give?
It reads 2:00
